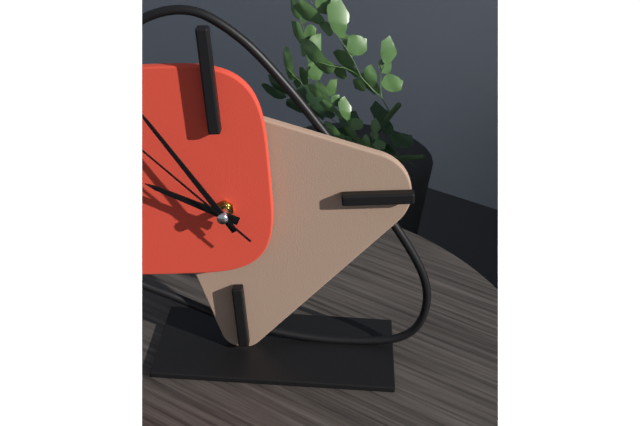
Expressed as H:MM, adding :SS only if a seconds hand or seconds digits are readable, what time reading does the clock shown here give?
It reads 9:55:53
